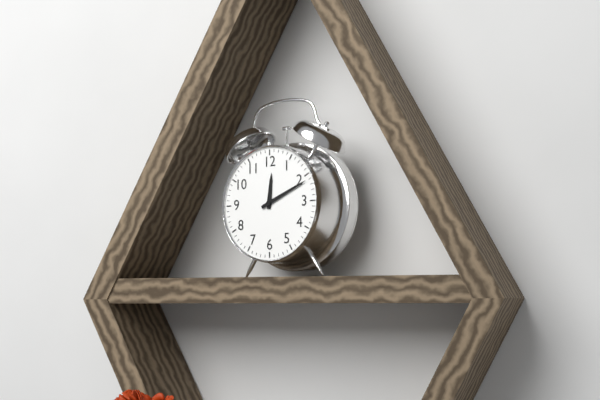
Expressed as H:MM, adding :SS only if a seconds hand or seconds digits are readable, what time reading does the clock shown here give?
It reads 12:11
